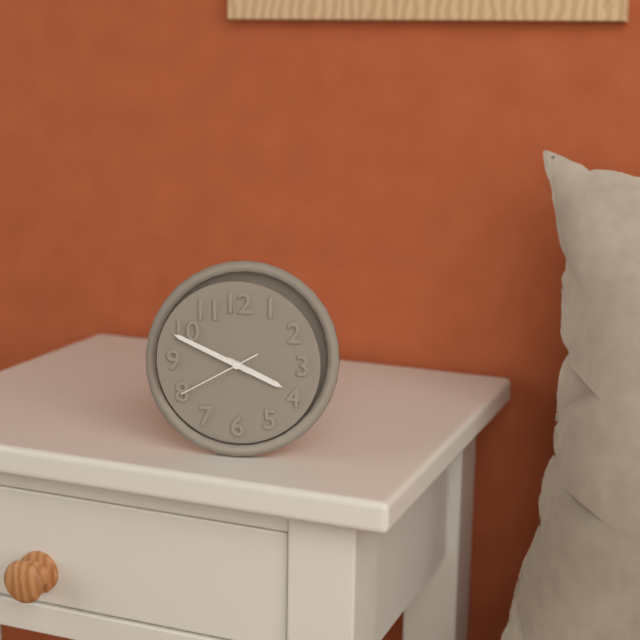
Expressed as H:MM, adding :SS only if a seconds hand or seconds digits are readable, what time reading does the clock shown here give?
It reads 3:49:40
